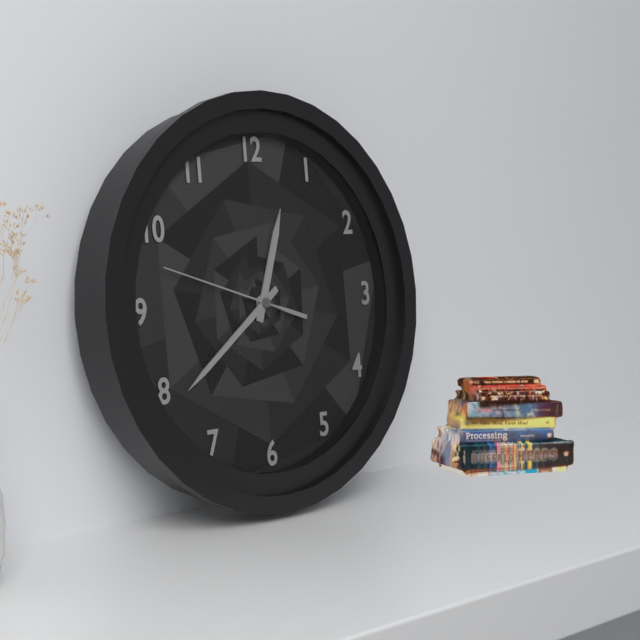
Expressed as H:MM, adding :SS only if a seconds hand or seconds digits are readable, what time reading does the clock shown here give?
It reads 12:39:48
